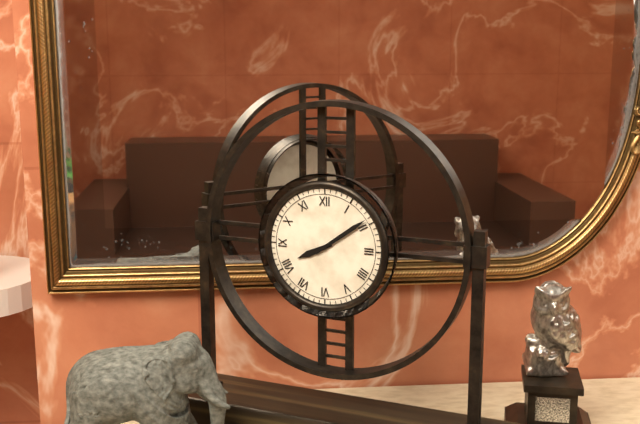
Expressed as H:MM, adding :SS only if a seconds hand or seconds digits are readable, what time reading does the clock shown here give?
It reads 8:09
